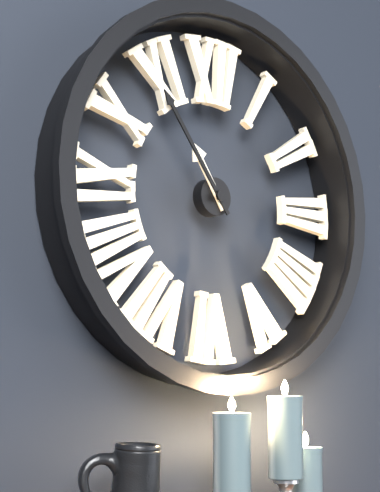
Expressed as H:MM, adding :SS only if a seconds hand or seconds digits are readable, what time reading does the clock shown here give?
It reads 10:54
